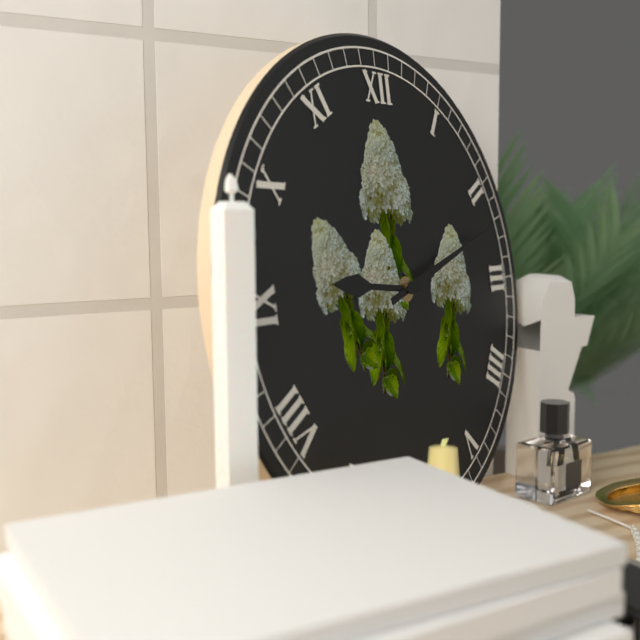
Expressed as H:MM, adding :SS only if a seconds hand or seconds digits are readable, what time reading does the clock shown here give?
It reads 9:12
